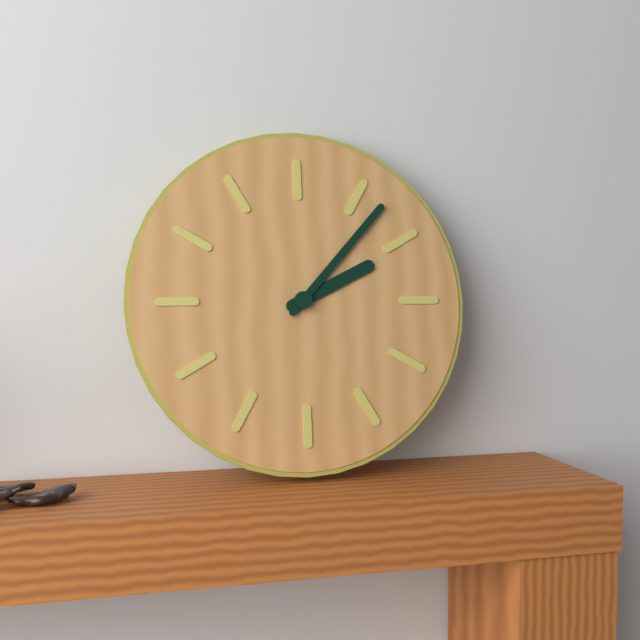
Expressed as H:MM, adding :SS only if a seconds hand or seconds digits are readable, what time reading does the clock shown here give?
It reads 2:07
